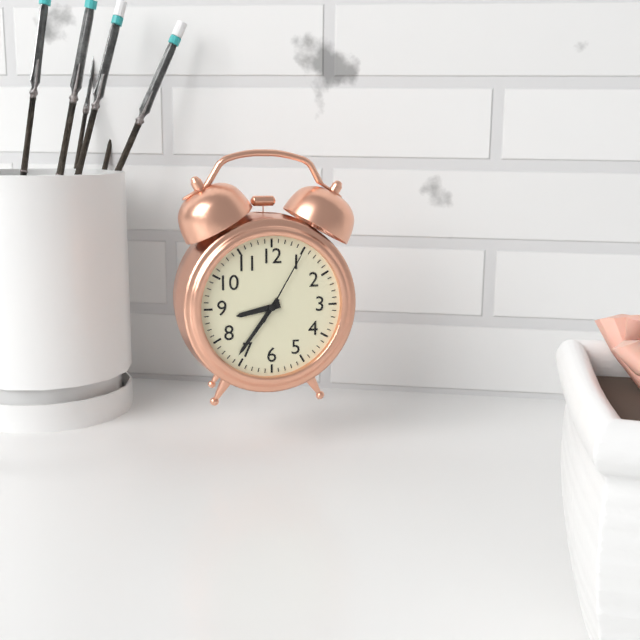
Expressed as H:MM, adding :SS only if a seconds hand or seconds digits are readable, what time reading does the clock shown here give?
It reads 8:36:05
